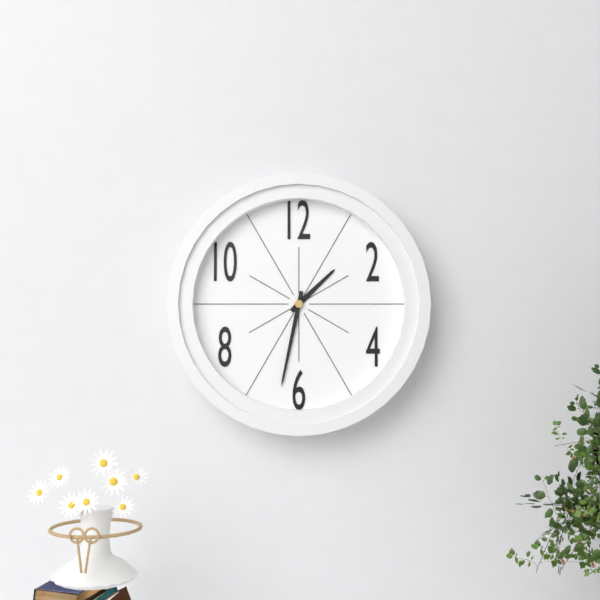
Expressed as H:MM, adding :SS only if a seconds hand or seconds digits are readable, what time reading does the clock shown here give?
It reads 1:32
